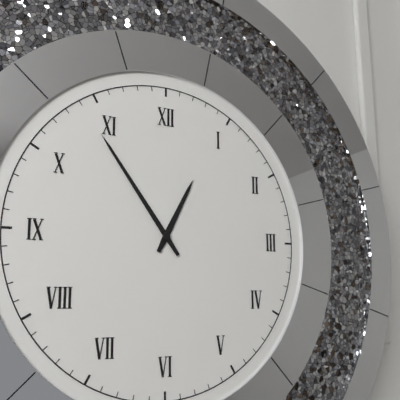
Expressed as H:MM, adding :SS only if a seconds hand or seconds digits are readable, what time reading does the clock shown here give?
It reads 12:54
